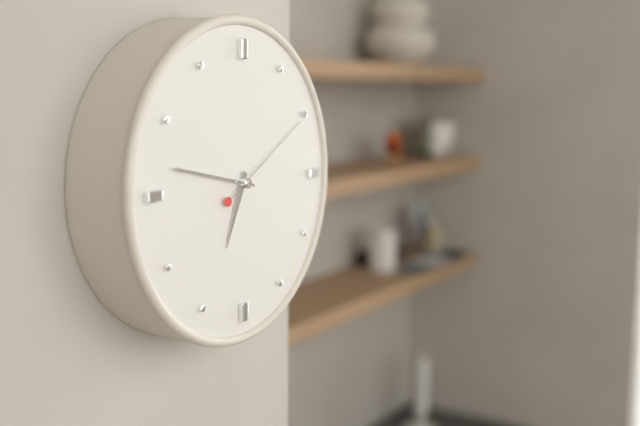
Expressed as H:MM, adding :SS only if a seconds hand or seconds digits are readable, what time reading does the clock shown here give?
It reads 6:47:10
